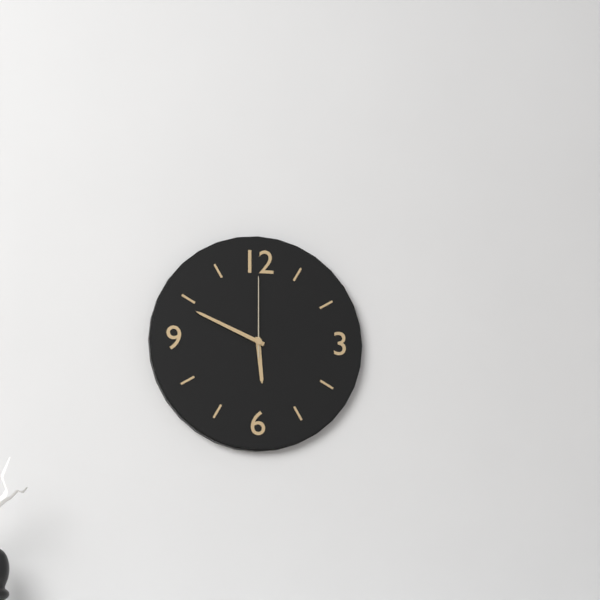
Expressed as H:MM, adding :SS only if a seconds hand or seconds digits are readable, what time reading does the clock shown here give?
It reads 5:49:00
